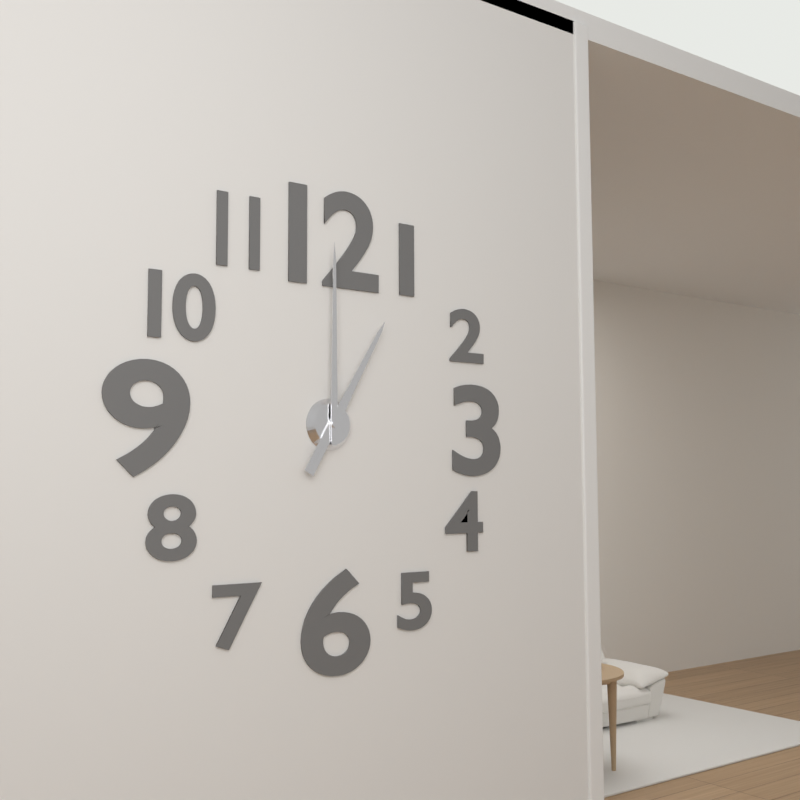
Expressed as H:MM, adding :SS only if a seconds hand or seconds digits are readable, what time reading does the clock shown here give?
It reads 1:00
